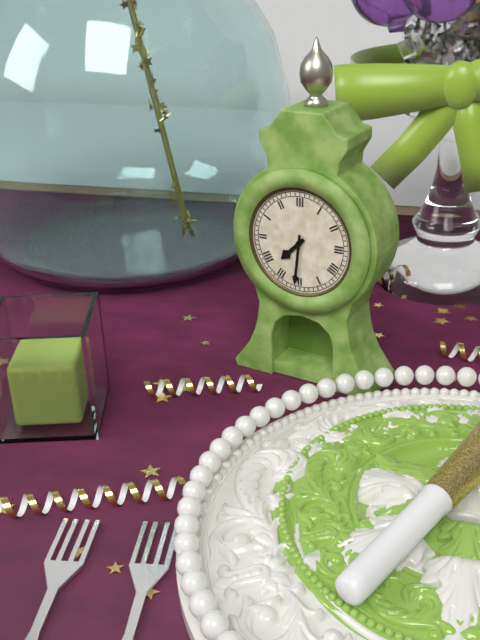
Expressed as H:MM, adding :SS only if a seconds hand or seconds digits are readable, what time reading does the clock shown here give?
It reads 7:31
